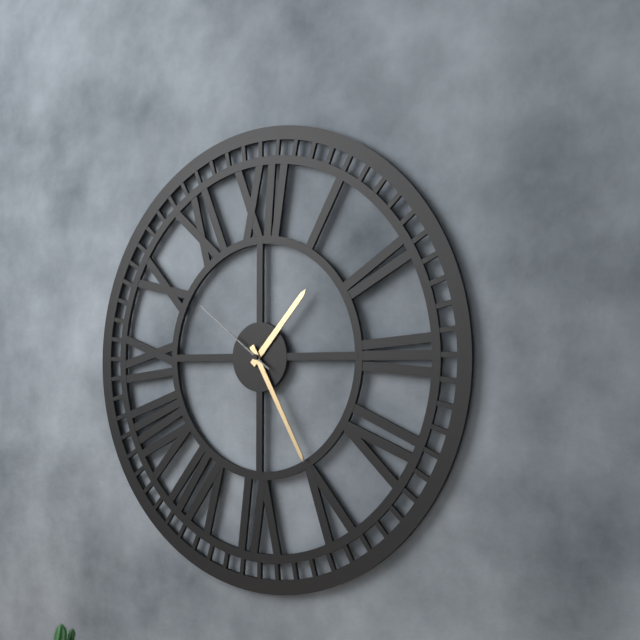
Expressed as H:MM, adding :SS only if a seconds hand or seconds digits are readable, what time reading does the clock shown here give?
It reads 1:25:51
